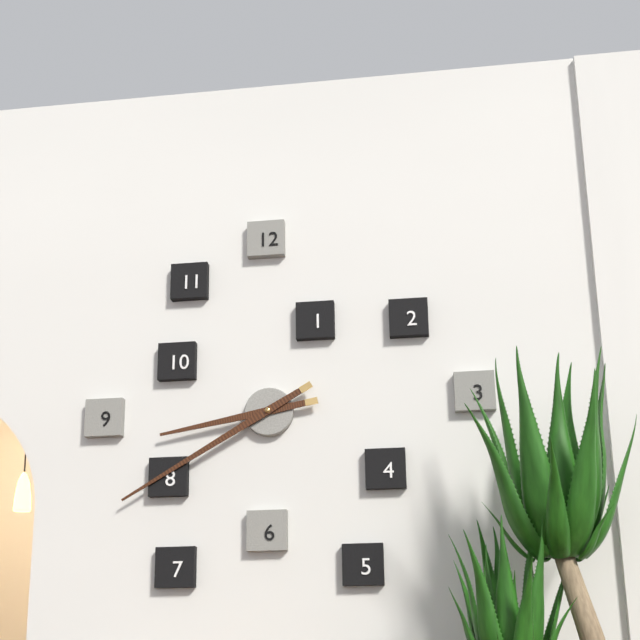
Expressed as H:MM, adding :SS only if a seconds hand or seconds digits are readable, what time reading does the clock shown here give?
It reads 8:40
